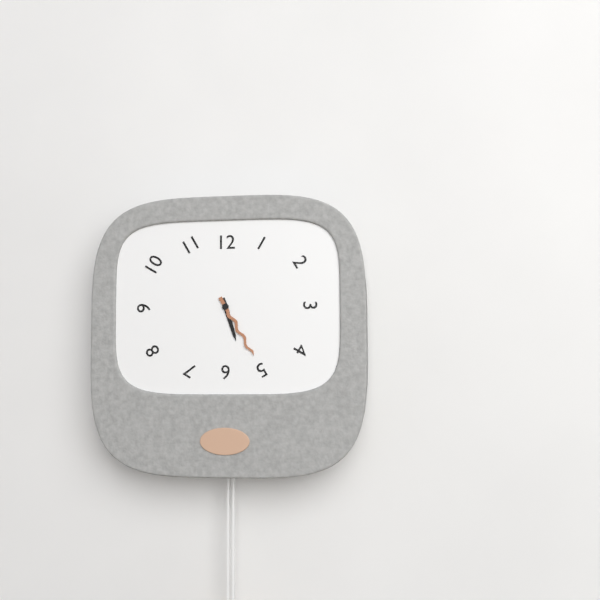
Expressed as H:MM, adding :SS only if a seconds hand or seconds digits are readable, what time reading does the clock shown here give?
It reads 5:25
